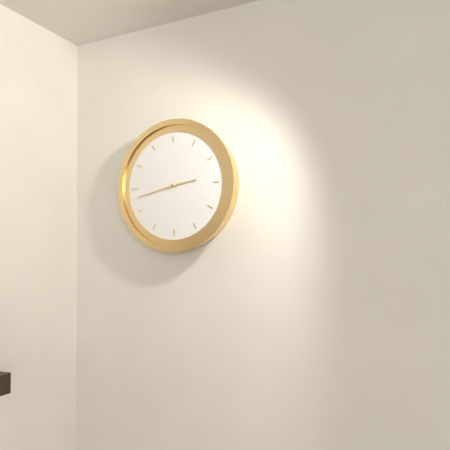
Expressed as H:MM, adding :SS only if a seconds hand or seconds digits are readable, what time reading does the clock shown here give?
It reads 2:43
